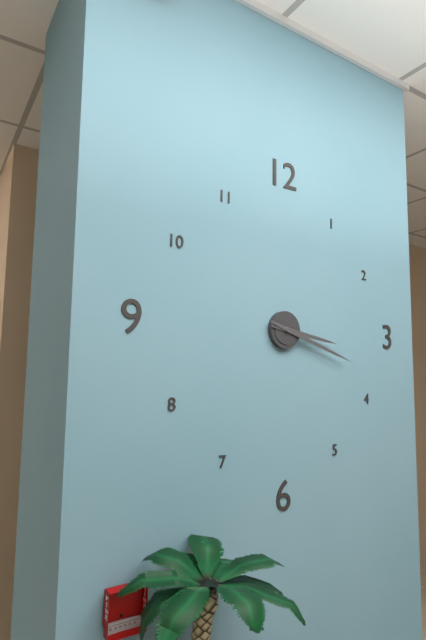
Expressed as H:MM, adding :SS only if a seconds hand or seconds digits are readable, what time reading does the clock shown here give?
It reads 3:18
